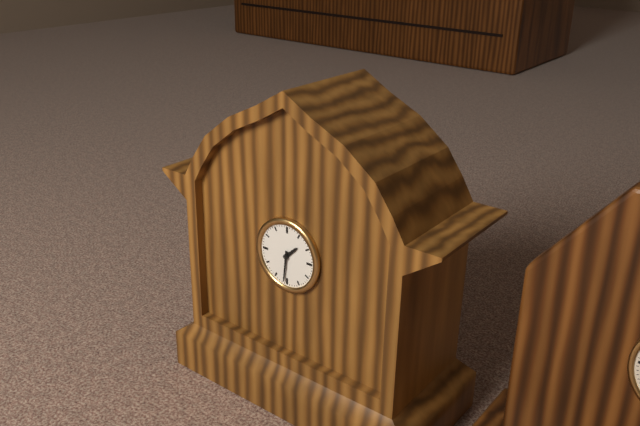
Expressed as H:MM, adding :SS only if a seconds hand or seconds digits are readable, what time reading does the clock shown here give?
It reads 1:31
